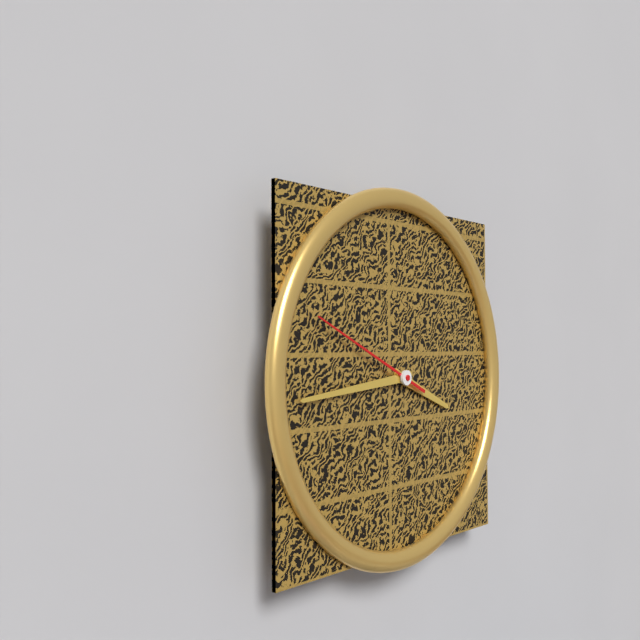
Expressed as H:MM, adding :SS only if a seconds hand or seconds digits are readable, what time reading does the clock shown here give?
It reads 3:44:49
